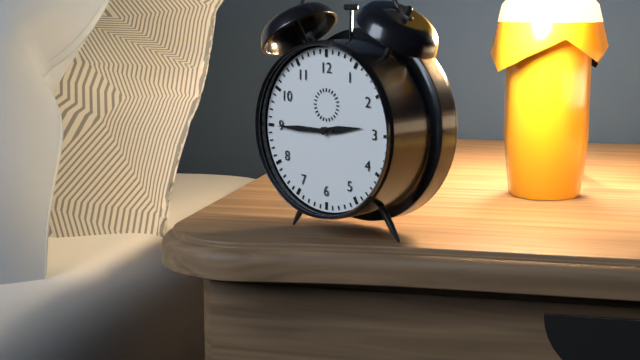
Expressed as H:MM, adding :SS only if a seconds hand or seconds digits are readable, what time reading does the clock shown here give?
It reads 2:45
